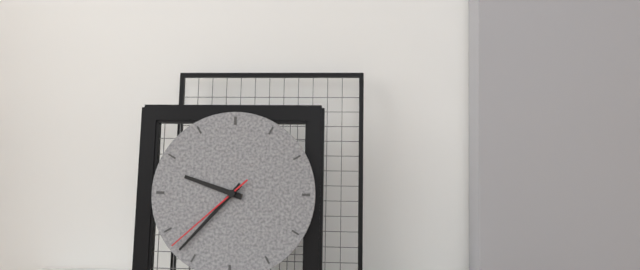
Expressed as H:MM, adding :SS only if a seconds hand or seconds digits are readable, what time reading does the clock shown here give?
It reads 9:37:38
